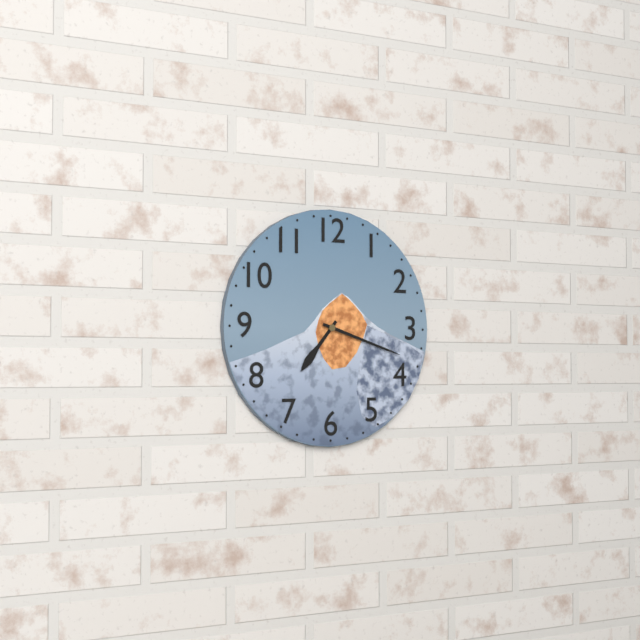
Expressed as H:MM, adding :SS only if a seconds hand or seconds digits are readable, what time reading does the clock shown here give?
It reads 7:18
